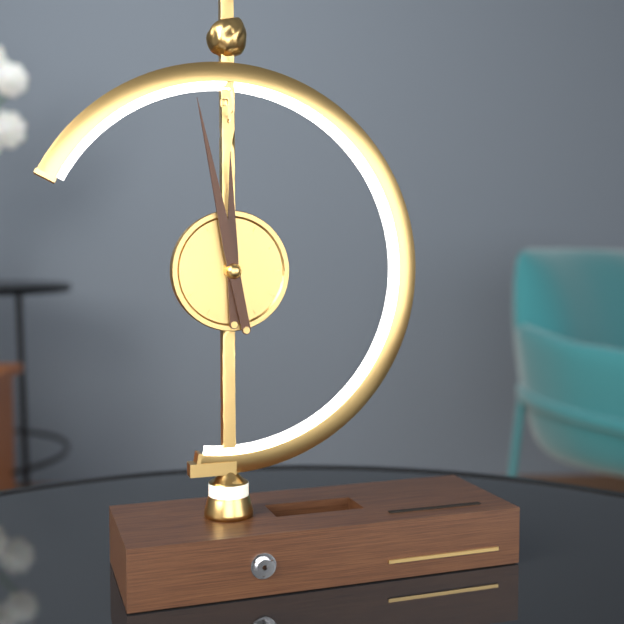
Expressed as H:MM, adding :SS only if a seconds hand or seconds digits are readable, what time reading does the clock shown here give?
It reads 11:58
